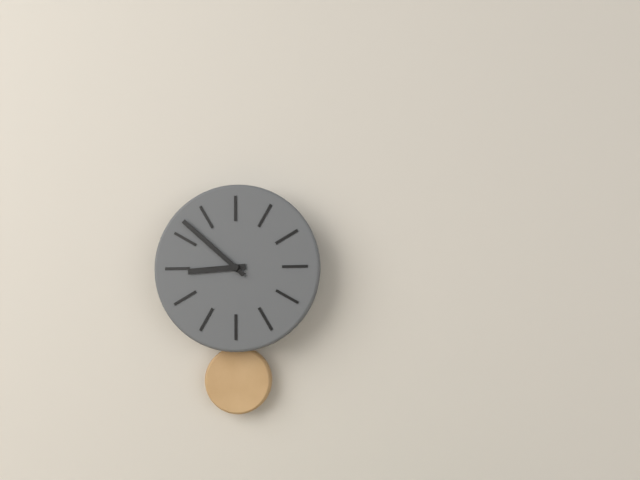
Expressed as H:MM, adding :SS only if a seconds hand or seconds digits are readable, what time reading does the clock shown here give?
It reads 8:52
